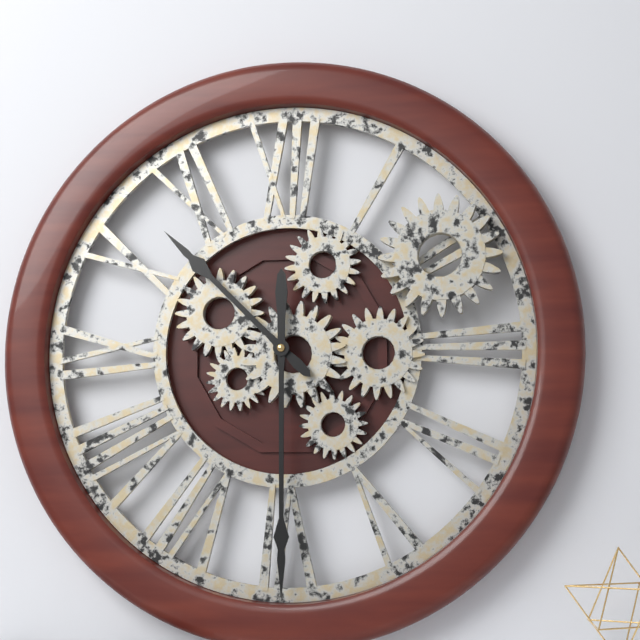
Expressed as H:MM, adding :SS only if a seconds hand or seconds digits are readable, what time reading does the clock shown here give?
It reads 10:30
